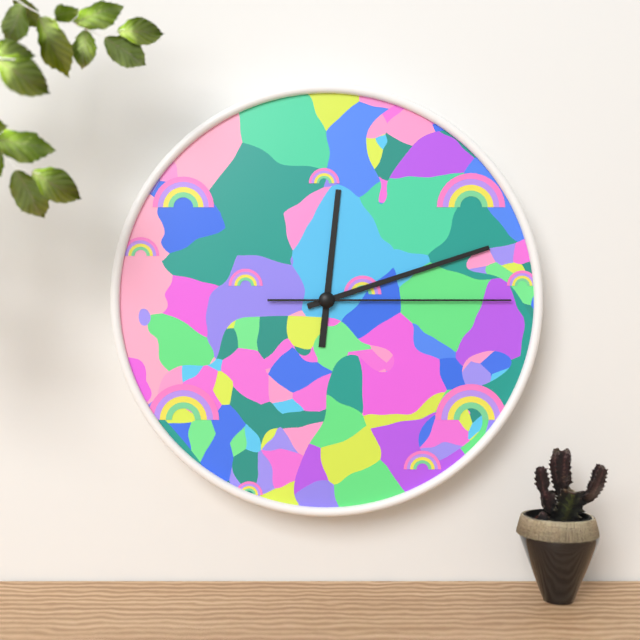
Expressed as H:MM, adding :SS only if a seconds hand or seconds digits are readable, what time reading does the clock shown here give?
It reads 12:12:15
